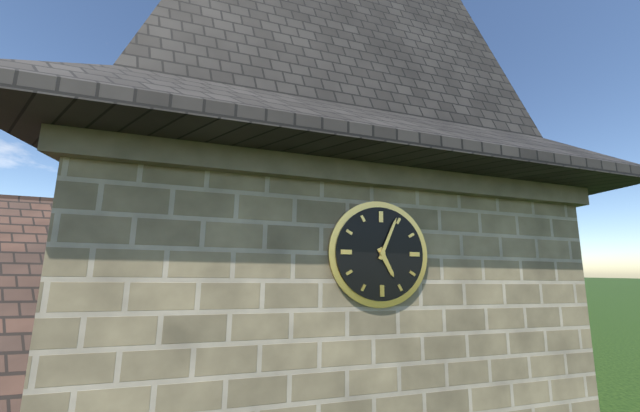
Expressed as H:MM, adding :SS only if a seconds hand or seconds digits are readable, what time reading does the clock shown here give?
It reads 5:04
